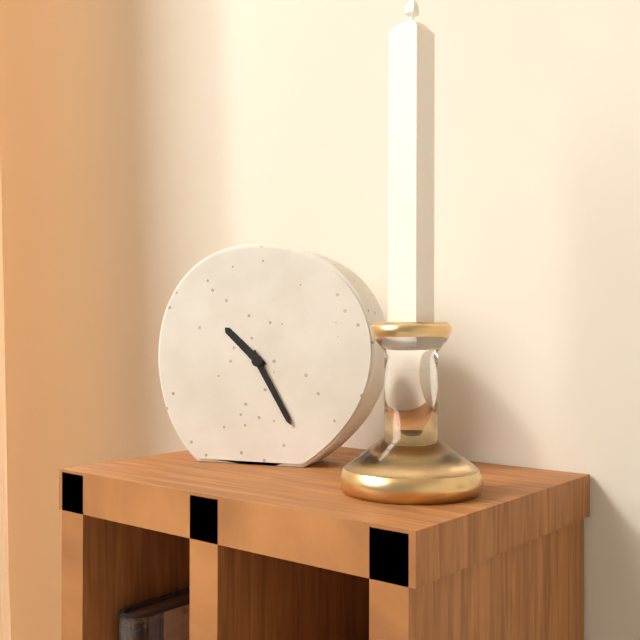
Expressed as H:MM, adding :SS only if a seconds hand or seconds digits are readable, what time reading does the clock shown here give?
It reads 10:25
